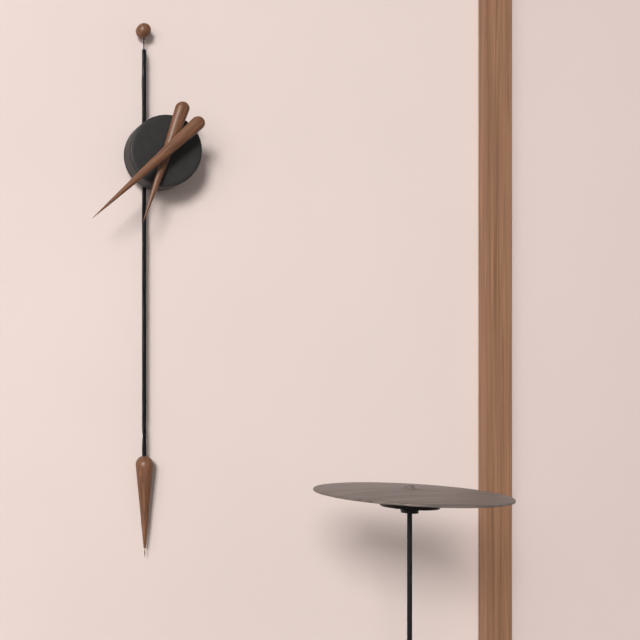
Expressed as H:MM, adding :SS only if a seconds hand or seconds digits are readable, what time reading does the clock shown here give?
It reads 6:38
